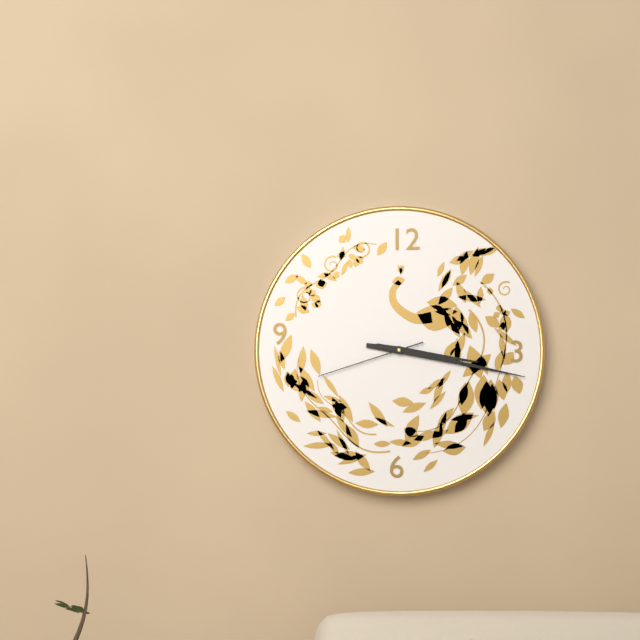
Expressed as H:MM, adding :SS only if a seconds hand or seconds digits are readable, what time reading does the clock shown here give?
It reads 3:17:42
